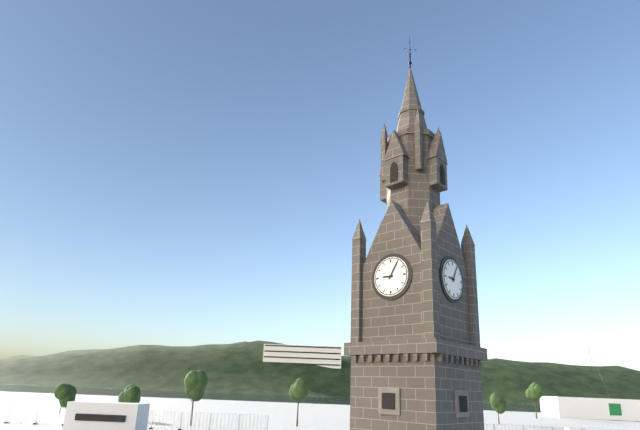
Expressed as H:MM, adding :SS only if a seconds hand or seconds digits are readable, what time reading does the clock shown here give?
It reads 9:05
